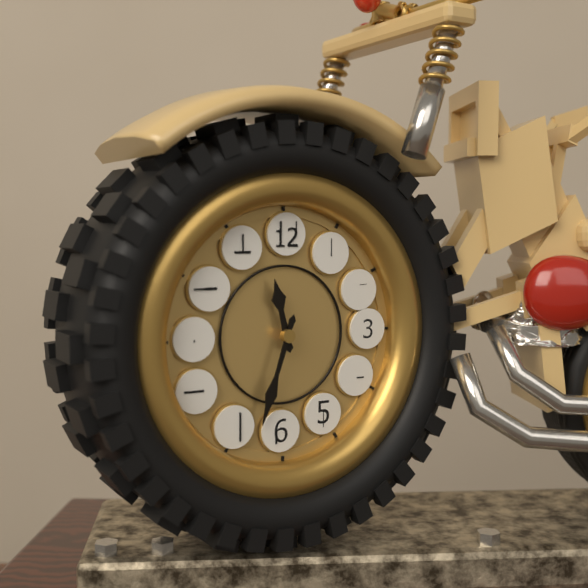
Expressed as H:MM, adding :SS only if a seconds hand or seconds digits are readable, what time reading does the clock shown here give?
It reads 11:33
